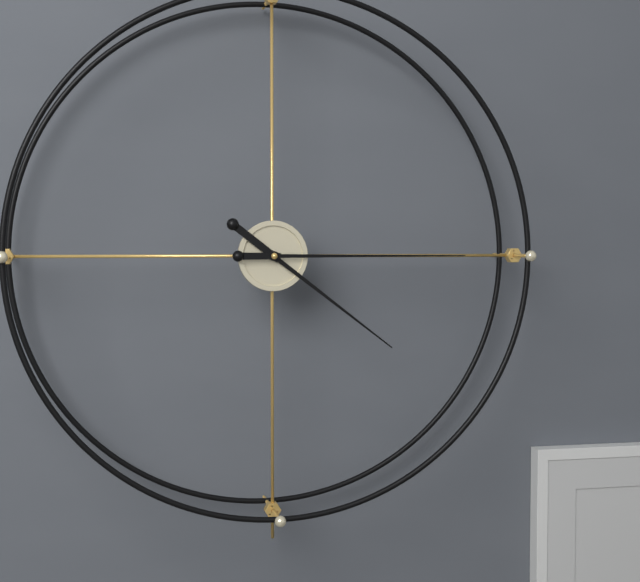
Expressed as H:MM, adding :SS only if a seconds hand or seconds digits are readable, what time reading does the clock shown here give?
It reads 4:15
